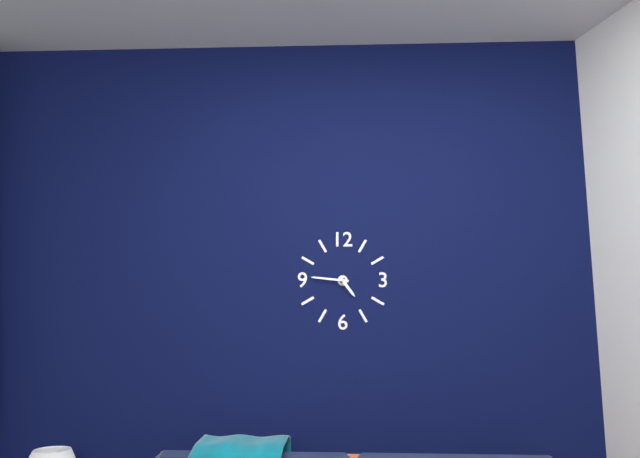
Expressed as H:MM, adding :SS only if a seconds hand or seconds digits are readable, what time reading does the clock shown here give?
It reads 4:46
